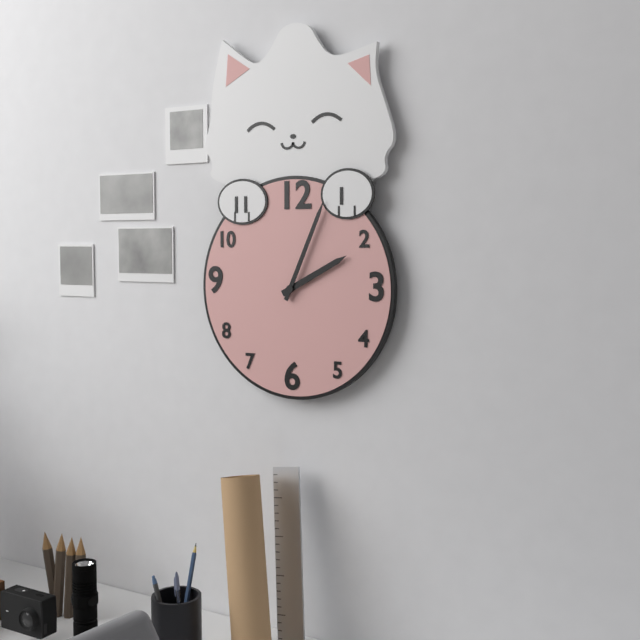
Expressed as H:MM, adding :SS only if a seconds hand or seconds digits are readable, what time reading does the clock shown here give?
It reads 2:04
